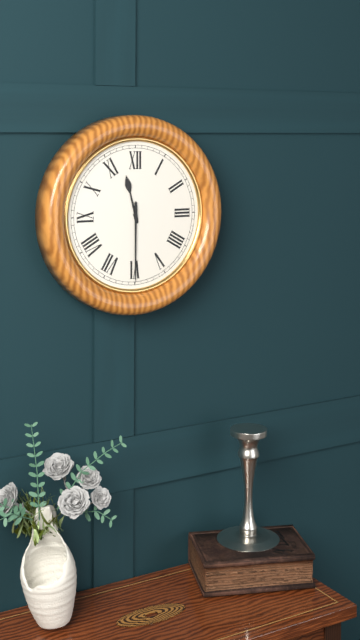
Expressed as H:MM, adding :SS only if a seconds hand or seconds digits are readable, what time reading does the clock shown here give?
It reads 11:30
